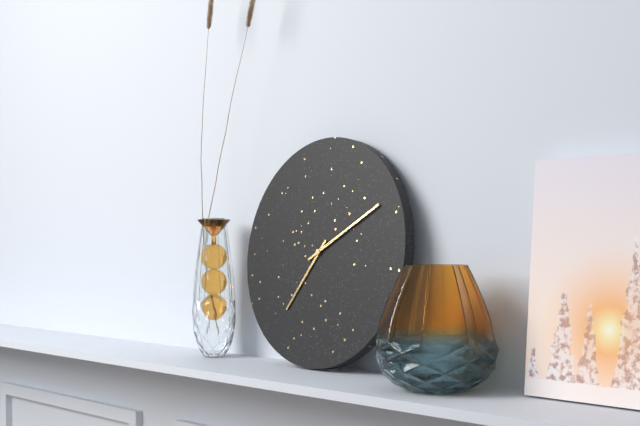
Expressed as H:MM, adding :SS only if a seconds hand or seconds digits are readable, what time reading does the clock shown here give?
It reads 7:10
